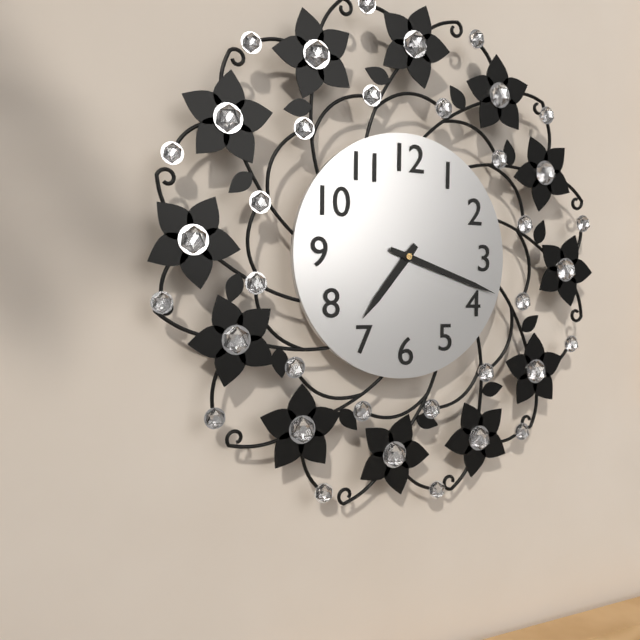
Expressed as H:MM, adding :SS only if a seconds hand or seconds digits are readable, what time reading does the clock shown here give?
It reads 7:18
